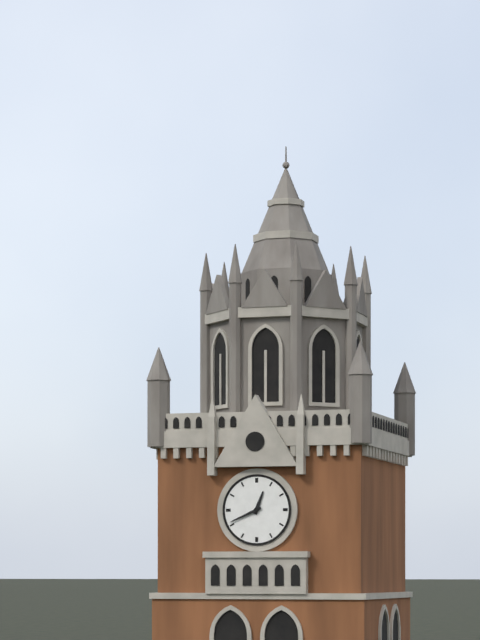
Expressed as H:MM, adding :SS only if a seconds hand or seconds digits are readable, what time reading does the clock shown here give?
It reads 12:41
